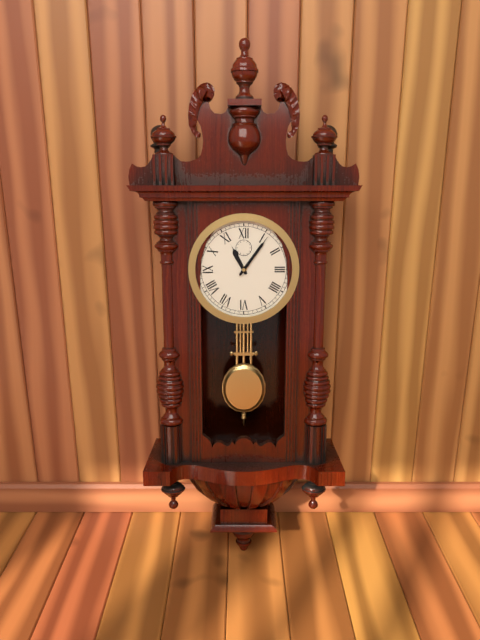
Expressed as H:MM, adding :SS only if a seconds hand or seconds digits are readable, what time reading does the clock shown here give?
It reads 11:06
